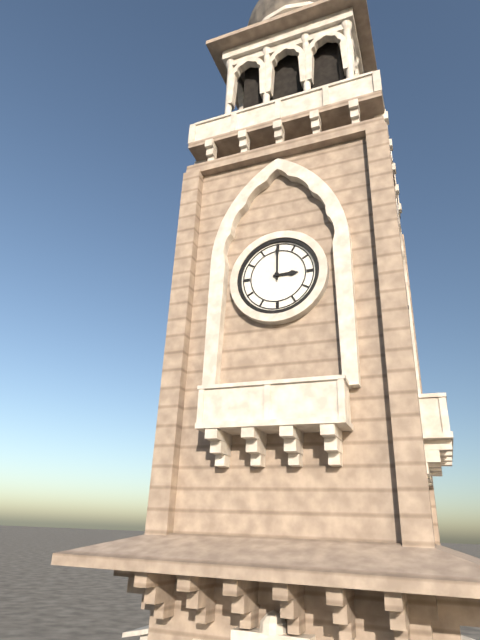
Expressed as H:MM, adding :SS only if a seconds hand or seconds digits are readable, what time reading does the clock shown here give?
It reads 3:00
